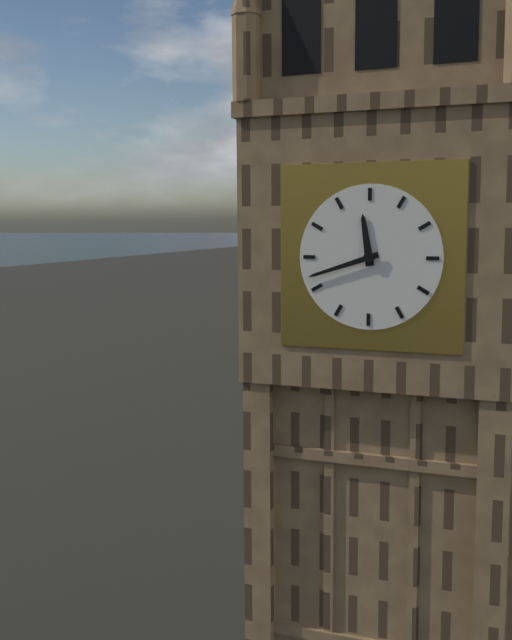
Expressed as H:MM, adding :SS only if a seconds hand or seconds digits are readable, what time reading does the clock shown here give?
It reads 11:42
